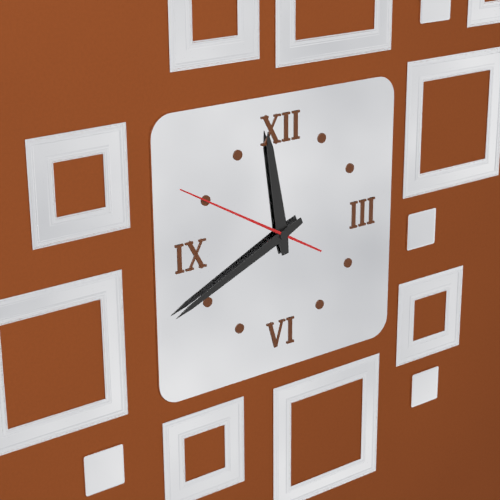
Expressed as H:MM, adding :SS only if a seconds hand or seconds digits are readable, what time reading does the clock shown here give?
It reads 11:41:50
